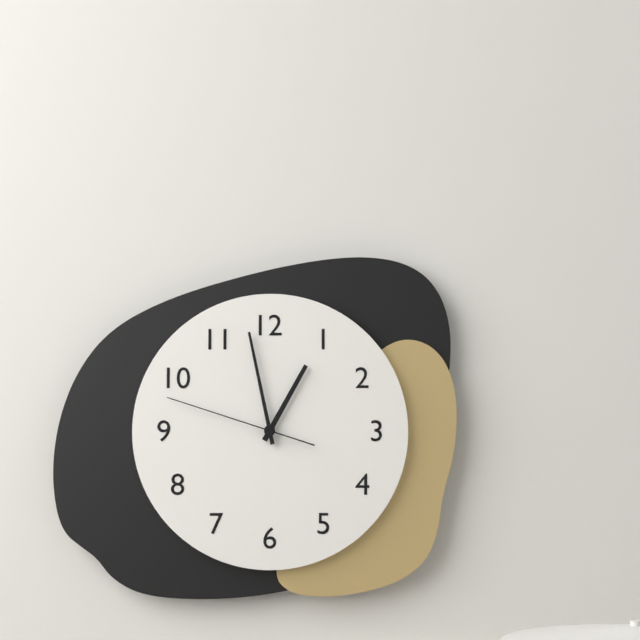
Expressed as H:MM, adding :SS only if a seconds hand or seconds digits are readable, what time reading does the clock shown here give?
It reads 12:58:48
